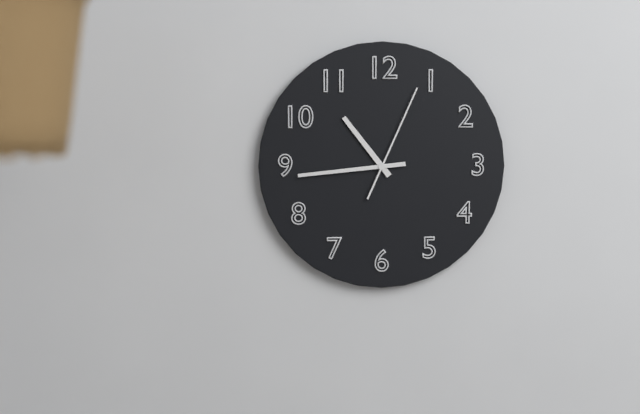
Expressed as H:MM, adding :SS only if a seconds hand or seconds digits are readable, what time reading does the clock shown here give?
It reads 10:44:04
